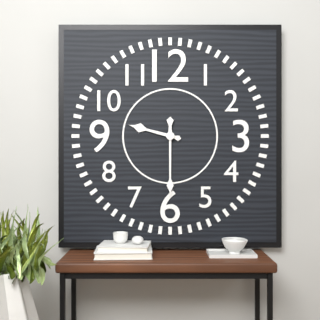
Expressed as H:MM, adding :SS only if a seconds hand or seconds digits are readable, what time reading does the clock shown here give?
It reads 9:30
